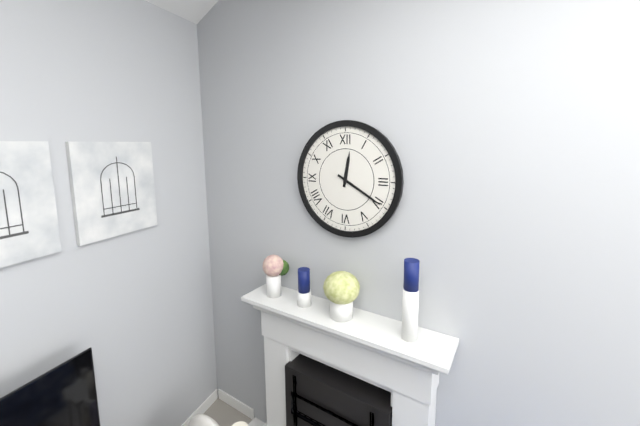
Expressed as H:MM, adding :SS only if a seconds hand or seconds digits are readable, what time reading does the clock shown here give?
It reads 12:20
